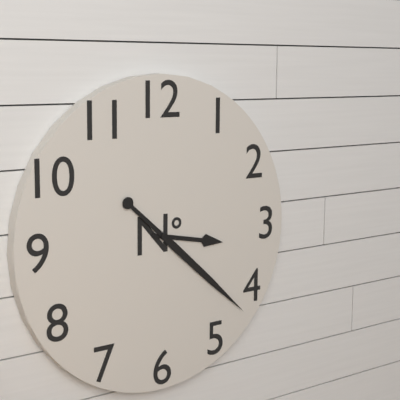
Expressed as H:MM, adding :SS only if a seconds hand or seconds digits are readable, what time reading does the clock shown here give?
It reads 3:22
